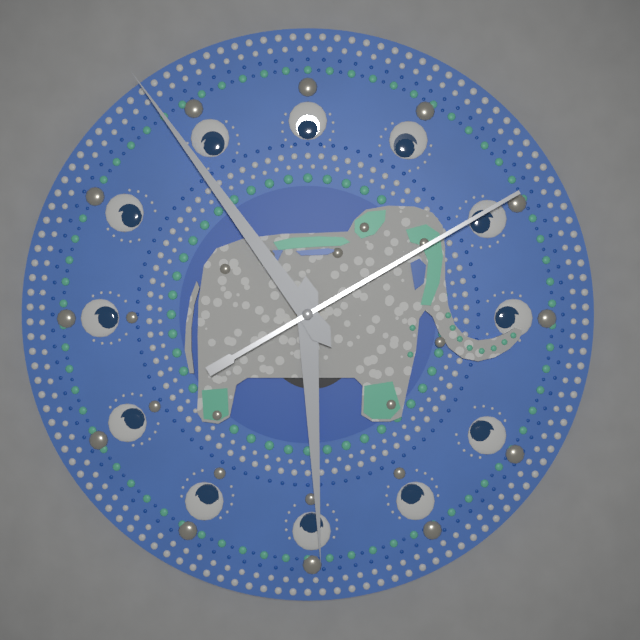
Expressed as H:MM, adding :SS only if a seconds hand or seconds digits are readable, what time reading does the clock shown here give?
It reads 5:54:10
